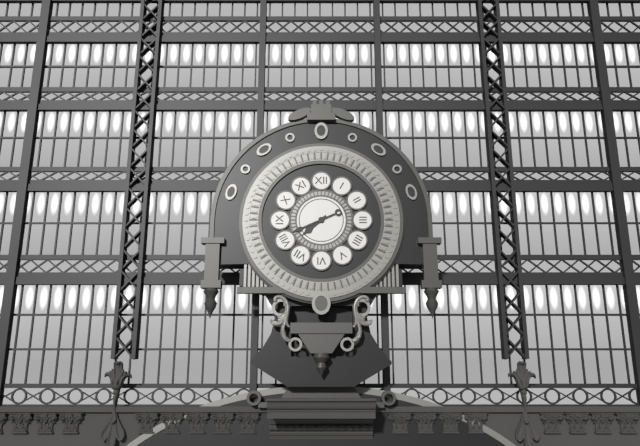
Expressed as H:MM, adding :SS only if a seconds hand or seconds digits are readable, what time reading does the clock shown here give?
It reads 7:41
